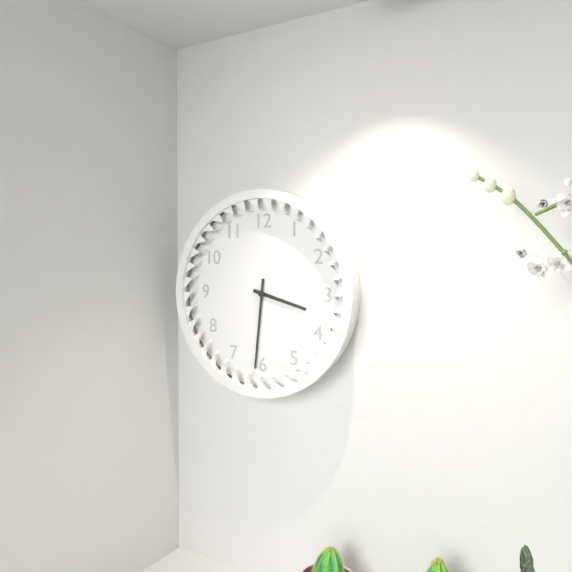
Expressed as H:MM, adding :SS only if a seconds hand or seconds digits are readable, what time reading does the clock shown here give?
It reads 3:31
